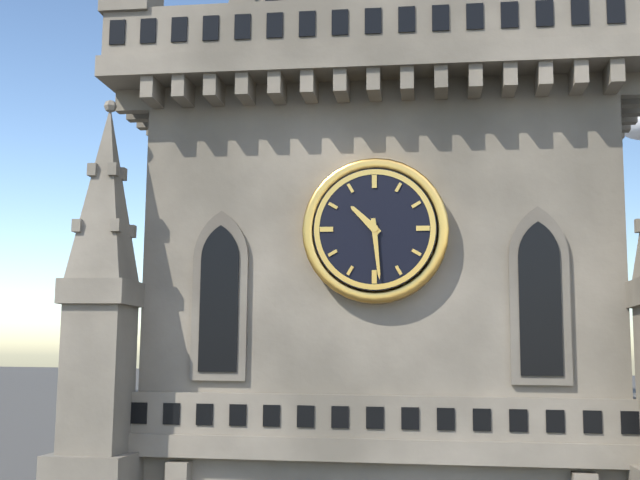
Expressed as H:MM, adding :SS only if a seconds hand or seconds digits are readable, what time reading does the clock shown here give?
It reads 10:29
